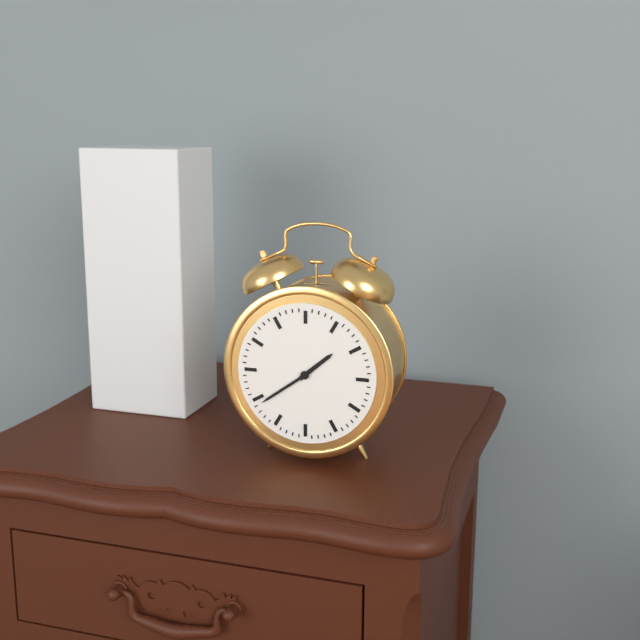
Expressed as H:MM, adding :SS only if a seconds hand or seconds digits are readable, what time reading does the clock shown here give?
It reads 1:39
